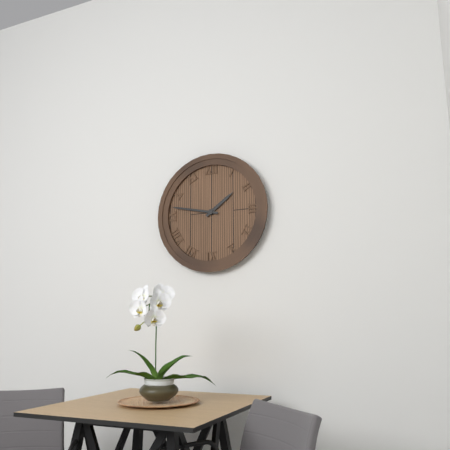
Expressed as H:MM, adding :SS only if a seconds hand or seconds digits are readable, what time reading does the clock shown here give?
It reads 1:47
